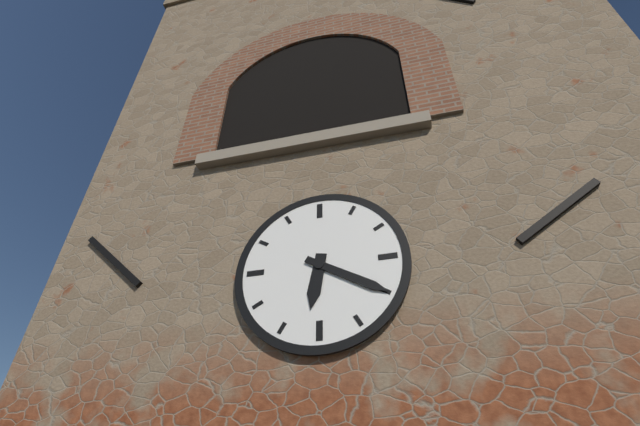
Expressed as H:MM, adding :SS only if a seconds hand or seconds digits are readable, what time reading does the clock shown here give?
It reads 6:20
